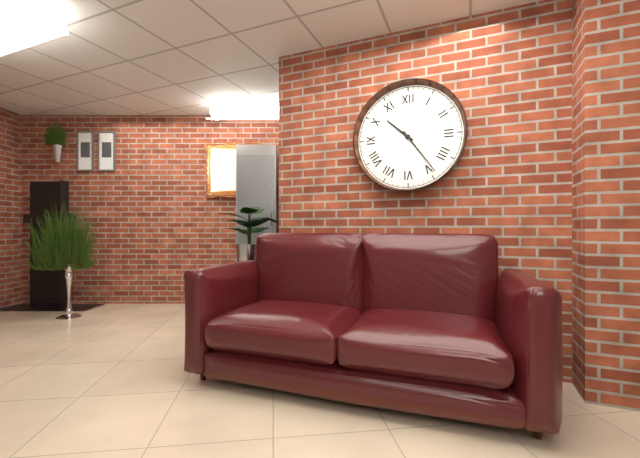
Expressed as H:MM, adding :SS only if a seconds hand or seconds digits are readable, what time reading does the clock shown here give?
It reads 10:24
